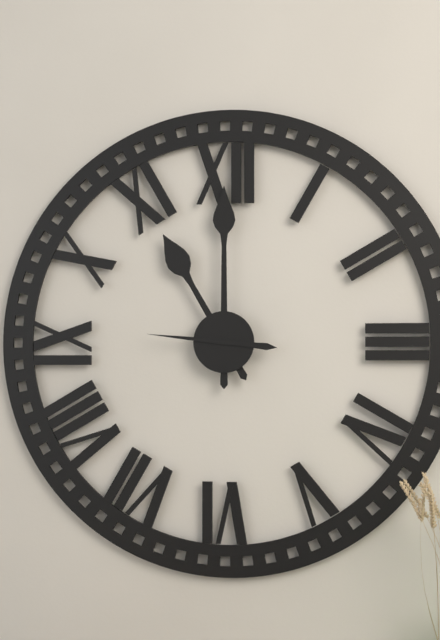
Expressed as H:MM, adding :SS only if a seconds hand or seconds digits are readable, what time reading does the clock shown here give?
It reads 11:00:46
